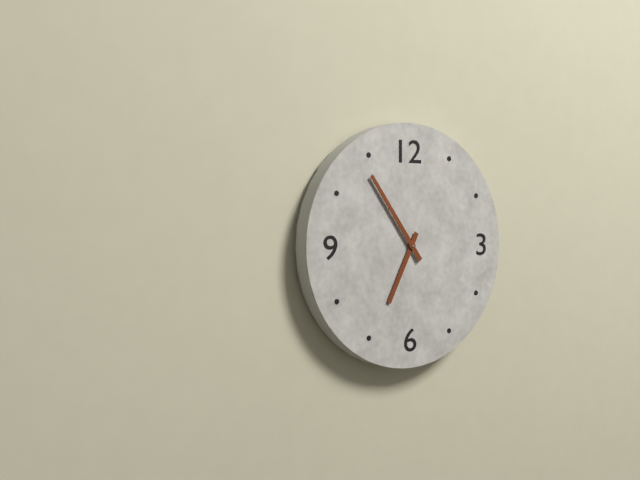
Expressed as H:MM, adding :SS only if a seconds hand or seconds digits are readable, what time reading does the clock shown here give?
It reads 6:54
